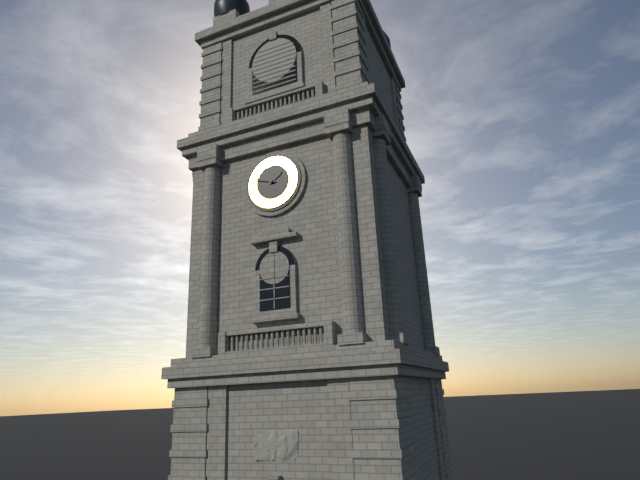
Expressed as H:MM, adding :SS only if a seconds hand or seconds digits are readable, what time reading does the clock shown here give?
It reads 1:48
